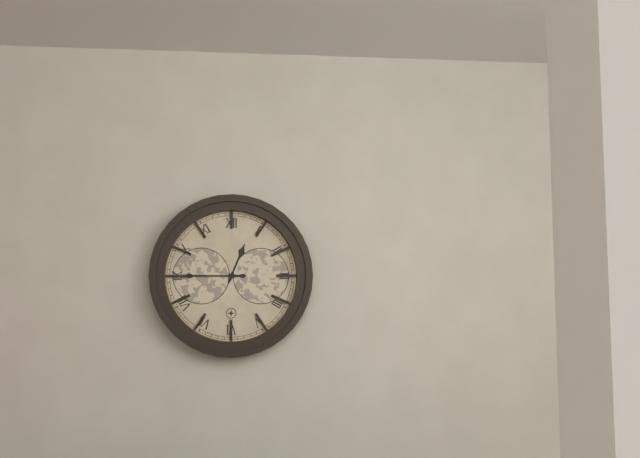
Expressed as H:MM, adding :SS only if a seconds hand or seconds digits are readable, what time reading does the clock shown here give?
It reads 12:45
